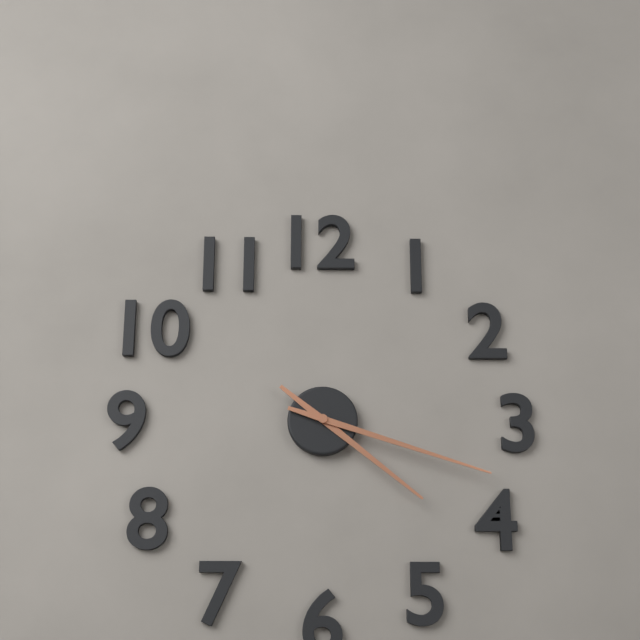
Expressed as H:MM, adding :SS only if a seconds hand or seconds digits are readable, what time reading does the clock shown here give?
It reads 4:18
